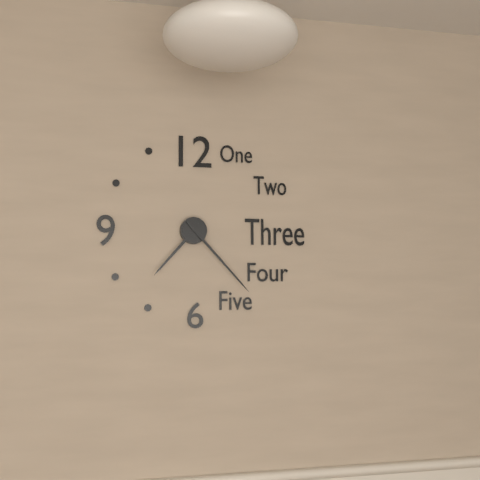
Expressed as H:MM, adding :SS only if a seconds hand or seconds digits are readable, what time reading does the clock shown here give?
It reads 7:23
